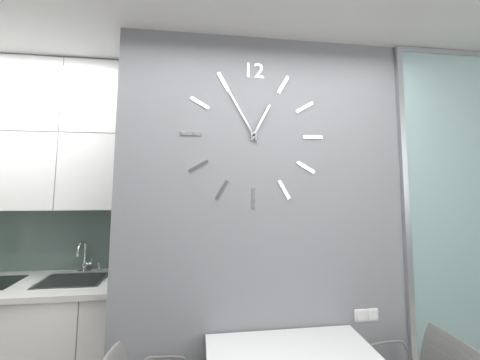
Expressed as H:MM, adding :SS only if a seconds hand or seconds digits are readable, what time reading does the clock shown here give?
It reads 12:55
